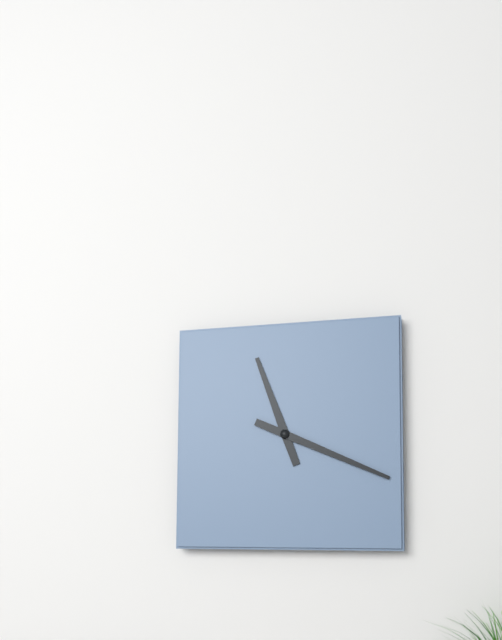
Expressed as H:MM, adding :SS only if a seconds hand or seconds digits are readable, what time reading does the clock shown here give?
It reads 11:19
